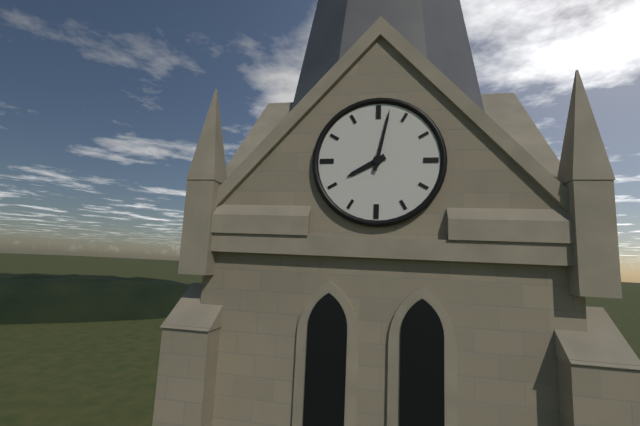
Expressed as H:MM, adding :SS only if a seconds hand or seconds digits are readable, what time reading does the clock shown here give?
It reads 8:02
